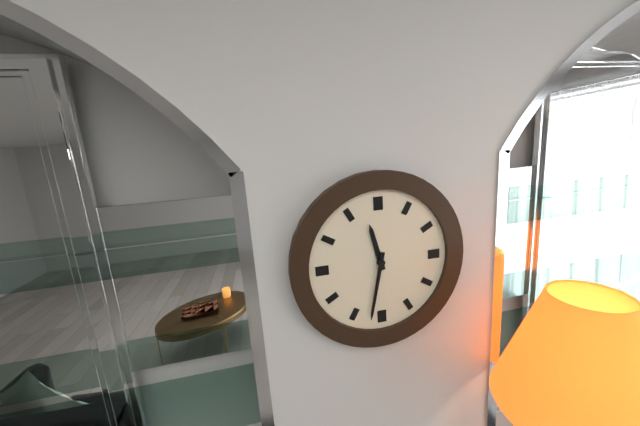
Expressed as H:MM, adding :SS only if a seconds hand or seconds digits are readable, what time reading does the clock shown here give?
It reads 11:32
